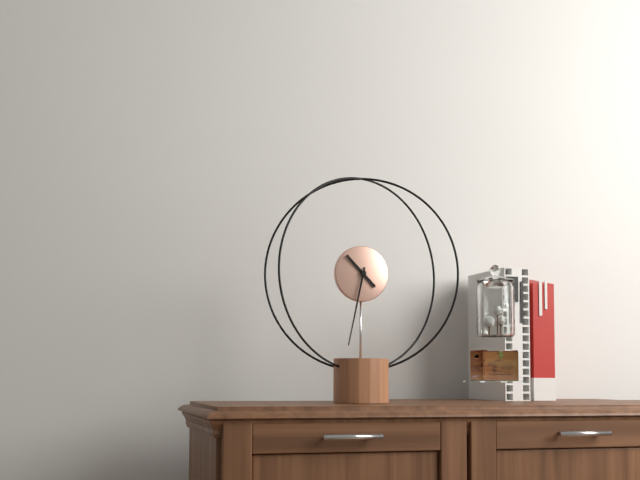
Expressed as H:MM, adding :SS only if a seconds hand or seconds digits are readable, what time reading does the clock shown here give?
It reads 10:32
